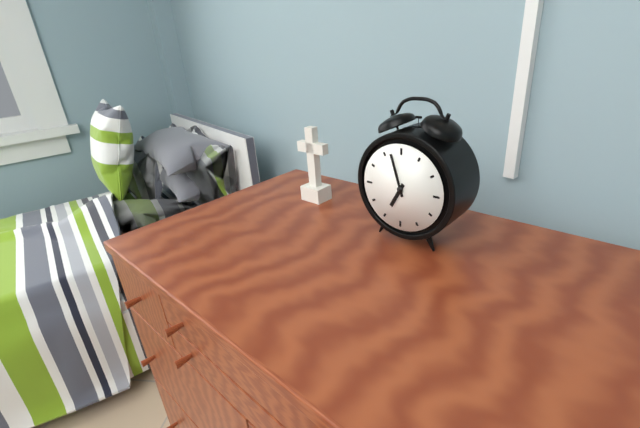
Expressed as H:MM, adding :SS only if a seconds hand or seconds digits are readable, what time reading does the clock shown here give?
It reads 6:57
